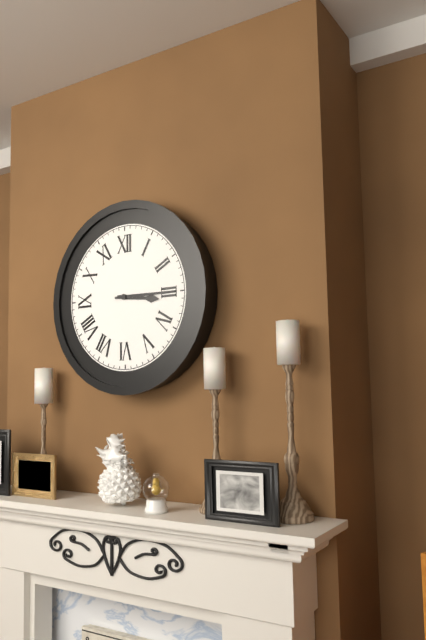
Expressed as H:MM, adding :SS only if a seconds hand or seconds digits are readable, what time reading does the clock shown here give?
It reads 3:15
